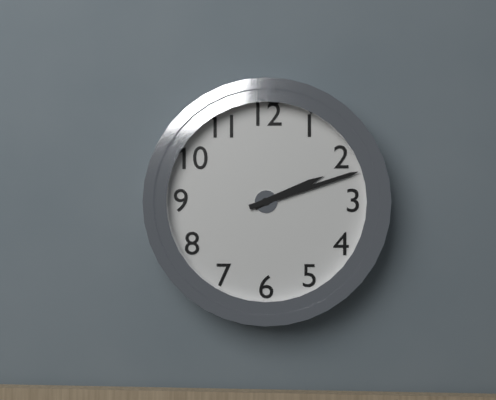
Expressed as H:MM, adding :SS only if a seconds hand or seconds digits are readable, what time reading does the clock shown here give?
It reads 2:12
